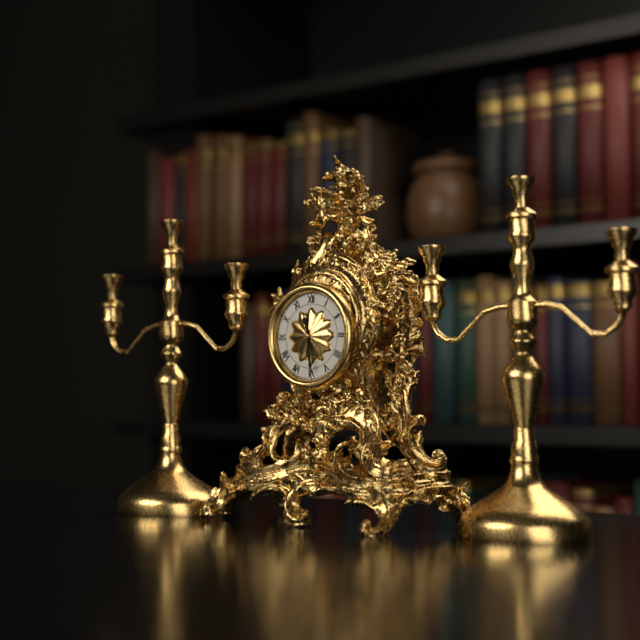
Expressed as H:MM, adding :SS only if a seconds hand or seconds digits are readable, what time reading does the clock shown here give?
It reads 11:29
